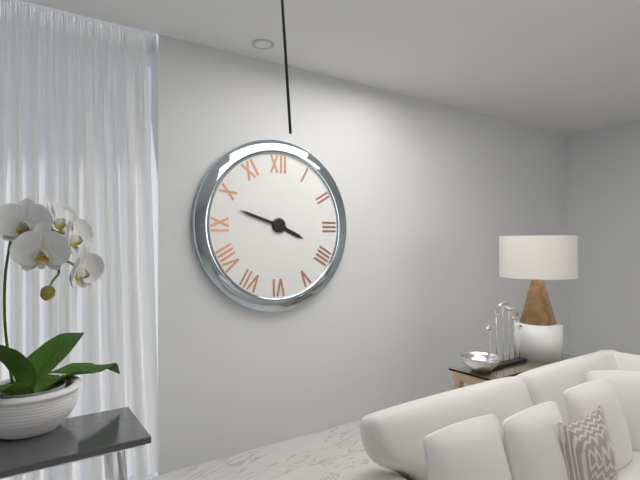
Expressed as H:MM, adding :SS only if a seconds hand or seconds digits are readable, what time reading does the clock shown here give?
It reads 3:48
